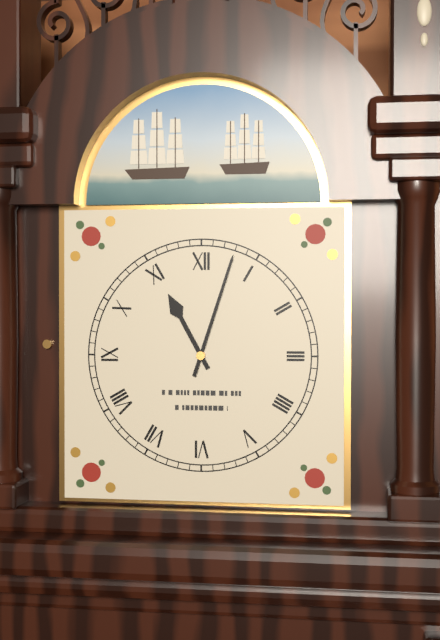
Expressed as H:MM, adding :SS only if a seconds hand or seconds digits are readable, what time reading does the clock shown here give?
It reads 11:03
